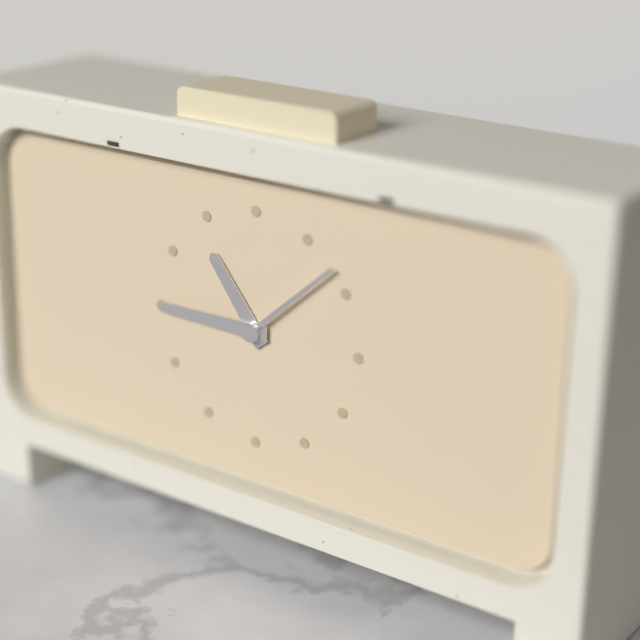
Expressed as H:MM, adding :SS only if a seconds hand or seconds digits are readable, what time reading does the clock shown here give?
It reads 10:45:08
